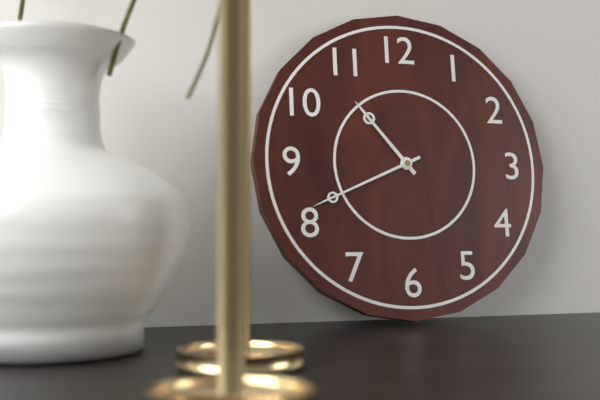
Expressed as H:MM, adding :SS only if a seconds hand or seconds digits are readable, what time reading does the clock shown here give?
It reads 10:41
